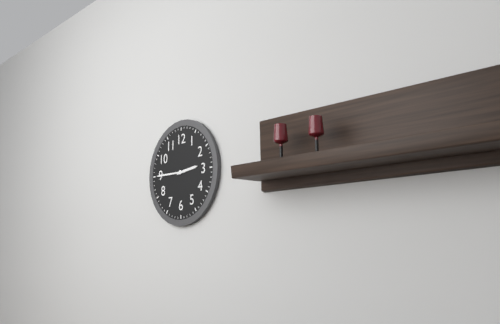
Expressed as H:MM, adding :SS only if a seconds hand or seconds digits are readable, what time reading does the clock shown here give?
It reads 2:45
